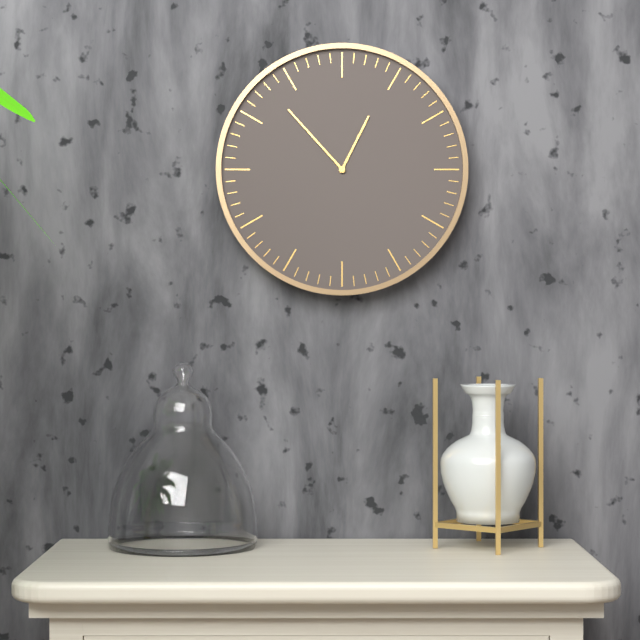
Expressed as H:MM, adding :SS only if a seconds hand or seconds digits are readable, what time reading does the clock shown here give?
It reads 12:53
